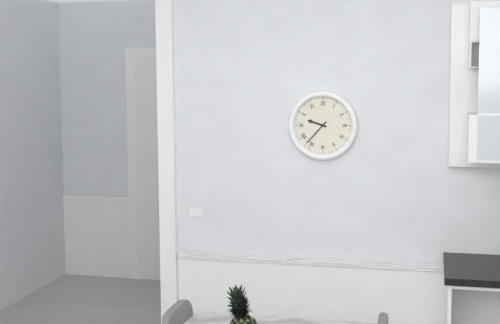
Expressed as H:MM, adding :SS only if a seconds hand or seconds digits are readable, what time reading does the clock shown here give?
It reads 9:37
